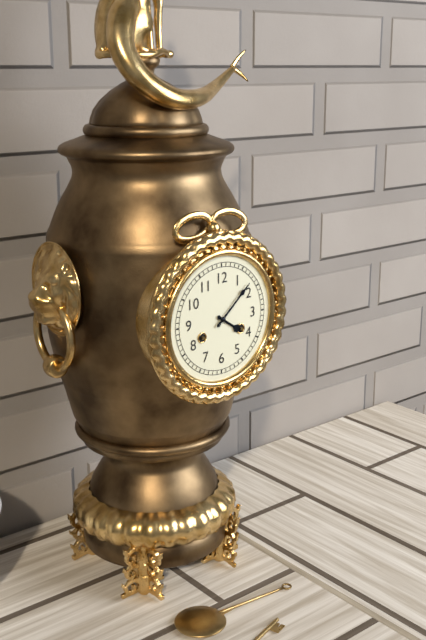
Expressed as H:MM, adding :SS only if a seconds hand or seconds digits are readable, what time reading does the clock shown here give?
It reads 4:08
